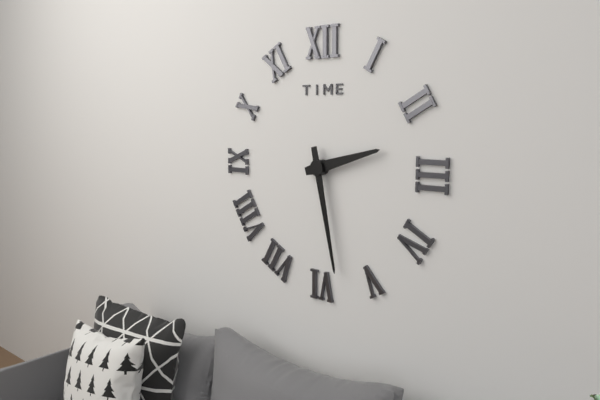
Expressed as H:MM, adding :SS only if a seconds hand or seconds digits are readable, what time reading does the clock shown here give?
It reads 2:28
